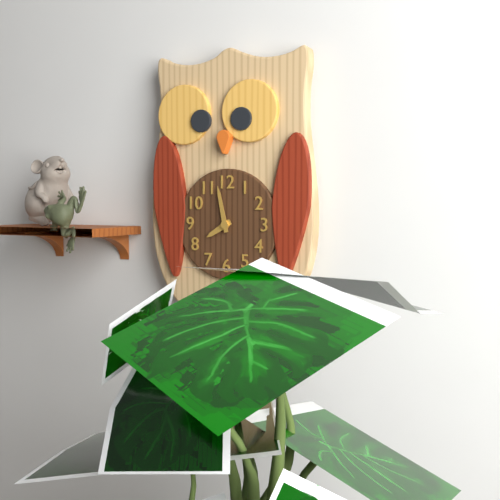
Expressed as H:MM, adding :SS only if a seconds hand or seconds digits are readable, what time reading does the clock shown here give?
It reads 7:58
